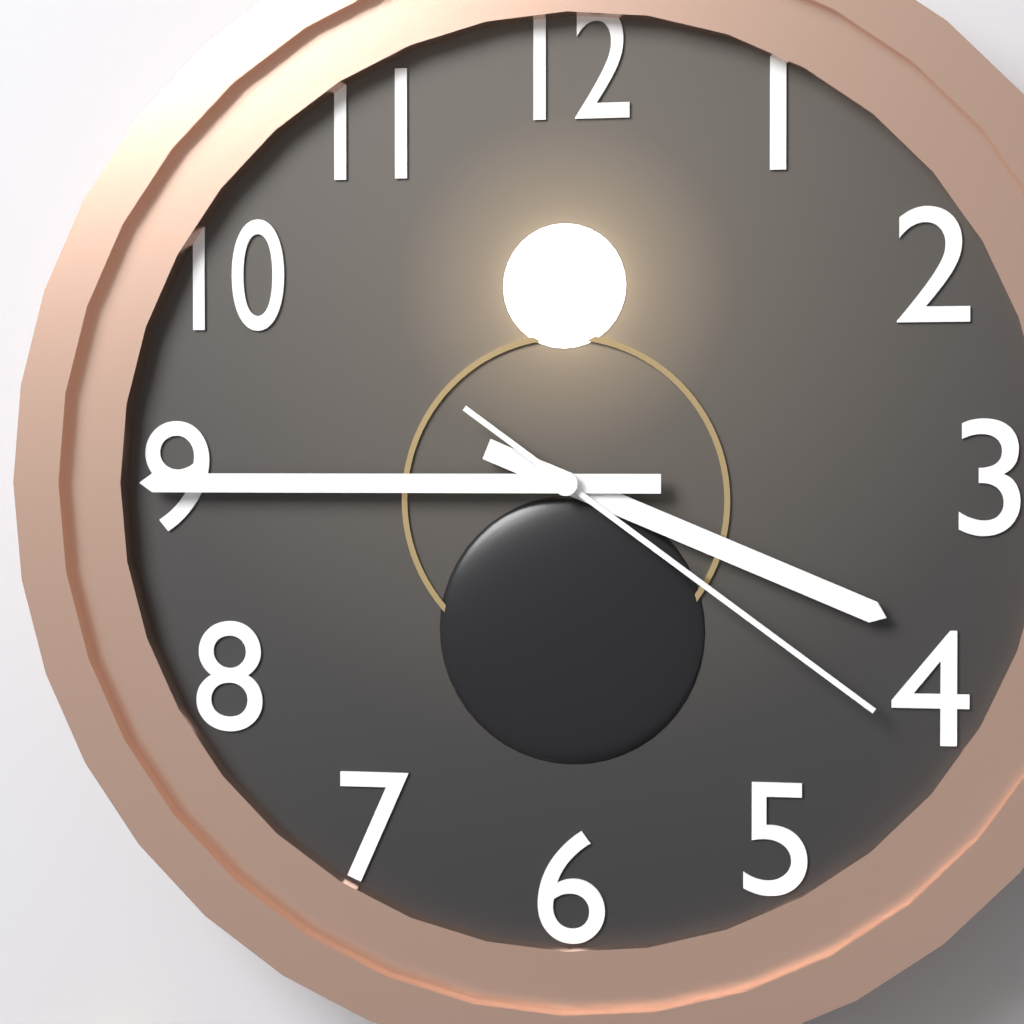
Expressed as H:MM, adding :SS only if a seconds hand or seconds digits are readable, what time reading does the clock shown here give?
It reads 3:45:21
